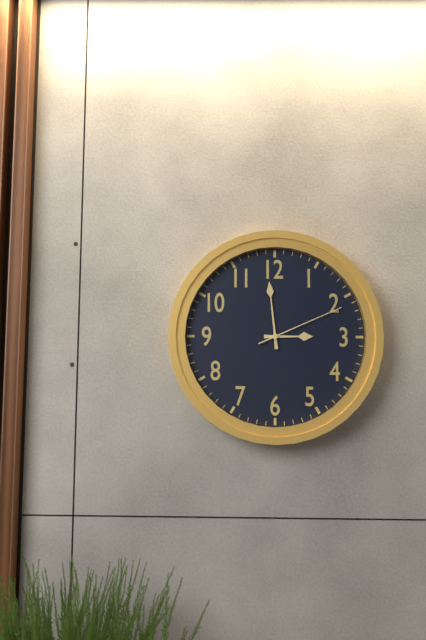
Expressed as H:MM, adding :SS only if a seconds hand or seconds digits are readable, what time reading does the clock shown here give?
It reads 2:59:11
